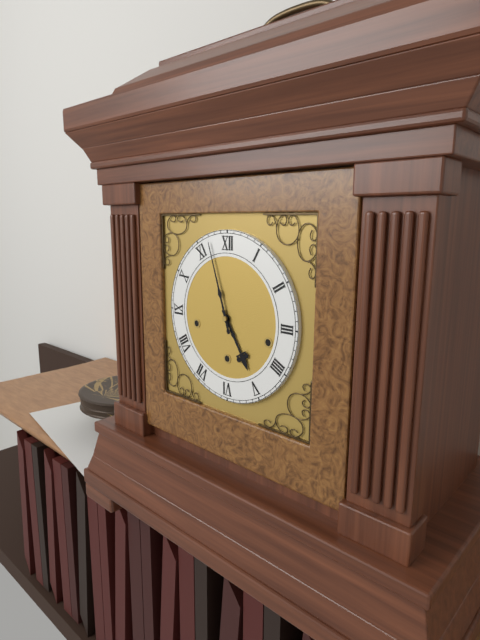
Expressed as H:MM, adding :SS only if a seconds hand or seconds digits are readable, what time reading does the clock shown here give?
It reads 4:57
